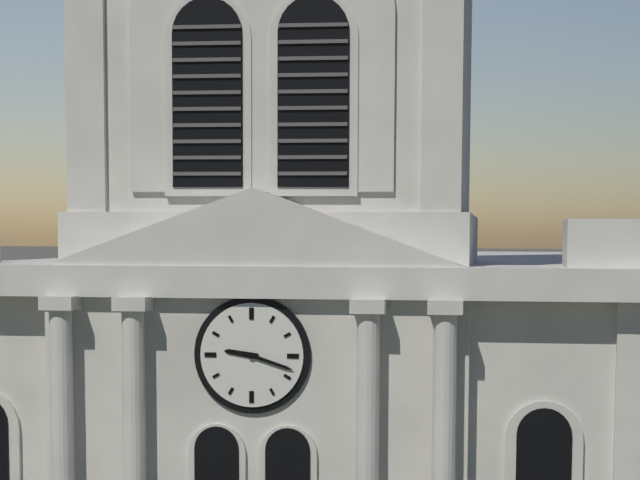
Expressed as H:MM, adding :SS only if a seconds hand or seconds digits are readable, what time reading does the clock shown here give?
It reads 9:18
